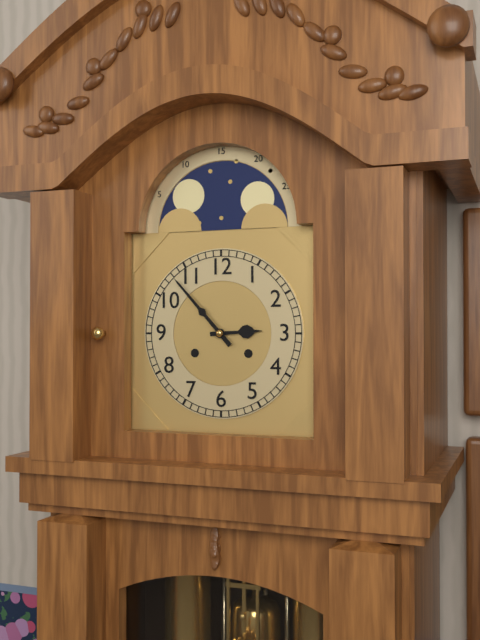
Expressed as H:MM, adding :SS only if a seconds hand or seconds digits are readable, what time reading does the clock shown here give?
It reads 2:53
